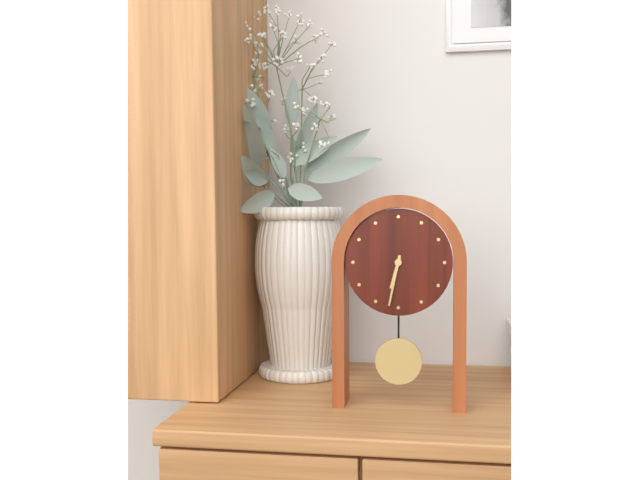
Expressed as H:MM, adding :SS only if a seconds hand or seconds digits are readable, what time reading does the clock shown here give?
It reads 6:32
